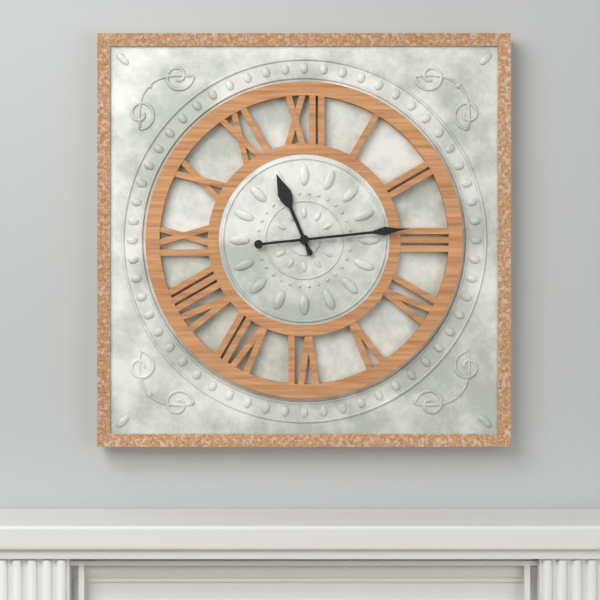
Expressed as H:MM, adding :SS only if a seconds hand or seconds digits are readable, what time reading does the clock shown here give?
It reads 11:14
